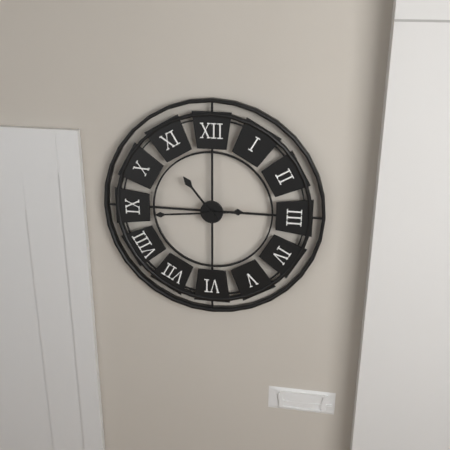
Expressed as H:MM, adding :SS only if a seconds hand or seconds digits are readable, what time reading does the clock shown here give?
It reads 10:44
